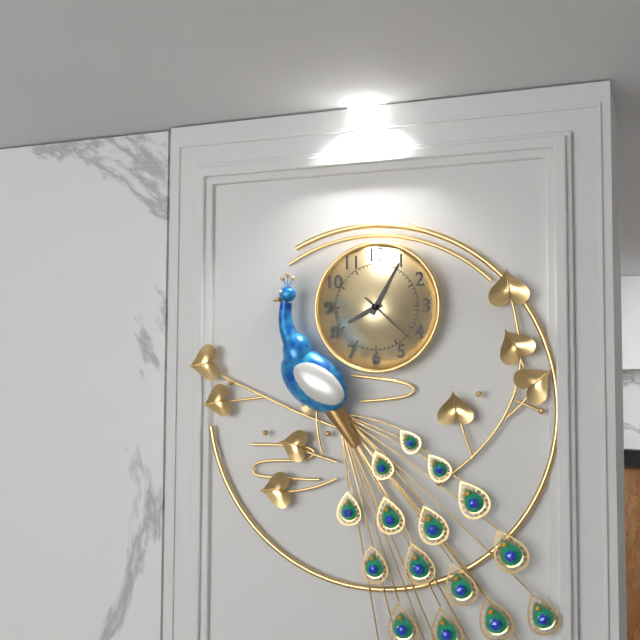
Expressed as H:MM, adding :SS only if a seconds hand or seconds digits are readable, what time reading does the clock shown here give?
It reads 8:05:22
